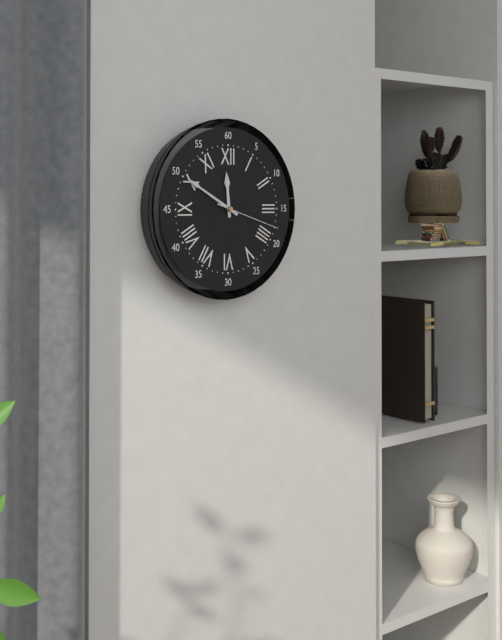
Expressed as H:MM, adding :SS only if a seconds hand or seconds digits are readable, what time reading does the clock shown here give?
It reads 11:50:18
